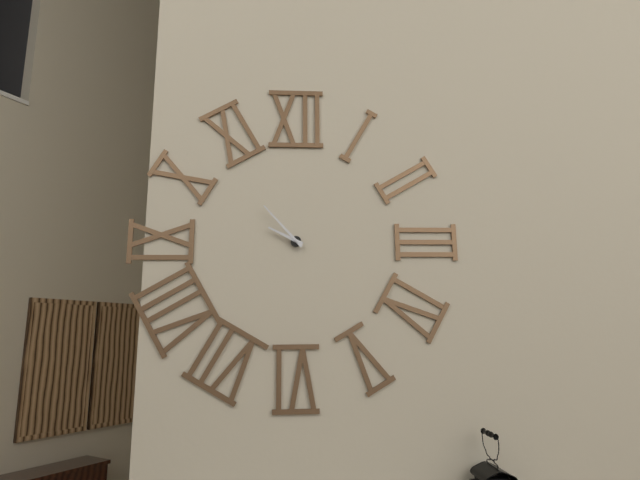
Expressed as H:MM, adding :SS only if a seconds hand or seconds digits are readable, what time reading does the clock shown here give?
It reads 9:53
